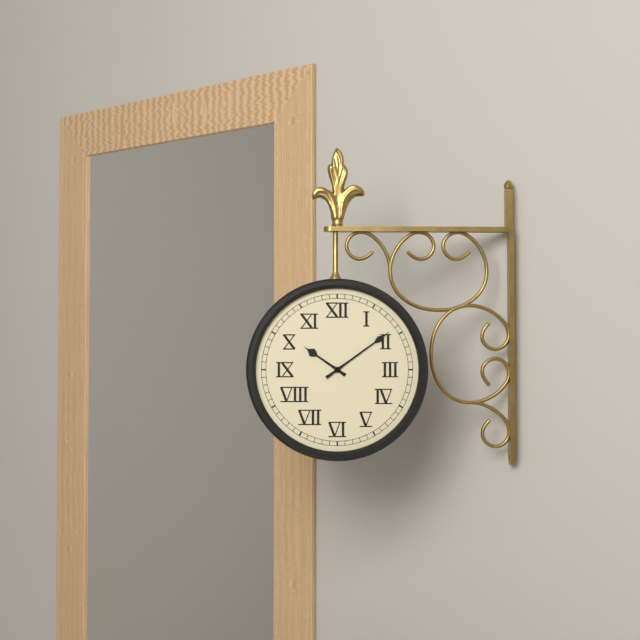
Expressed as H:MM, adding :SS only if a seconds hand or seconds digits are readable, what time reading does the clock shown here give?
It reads 10:09
